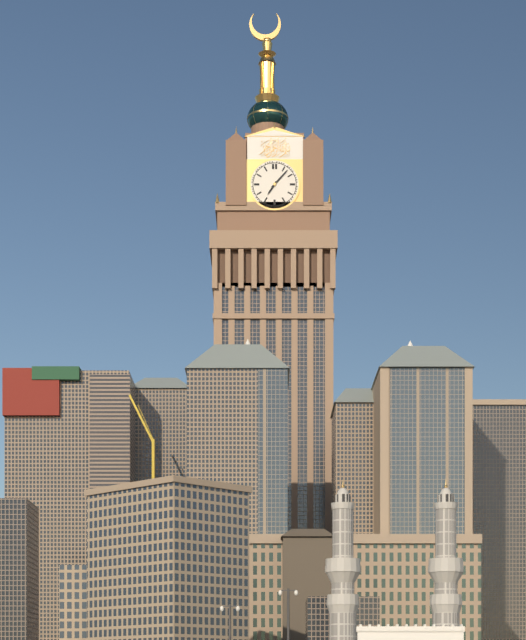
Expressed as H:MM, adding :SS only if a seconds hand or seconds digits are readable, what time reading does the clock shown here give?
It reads 7:07
